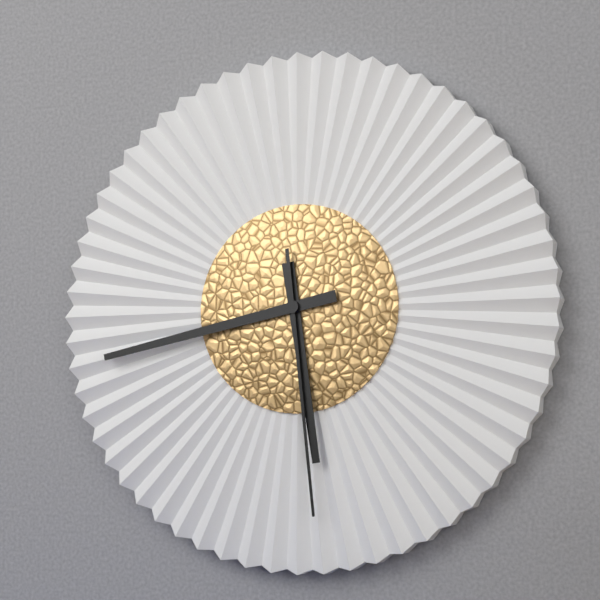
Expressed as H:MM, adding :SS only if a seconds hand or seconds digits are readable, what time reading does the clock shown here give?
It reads 5:43:29
